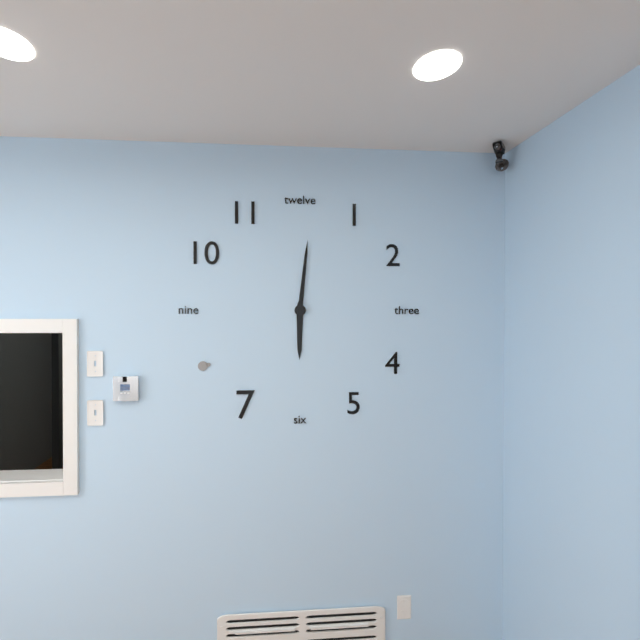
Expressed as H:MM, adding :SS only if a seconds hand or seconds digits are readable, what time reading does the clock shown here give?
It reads 6:01
